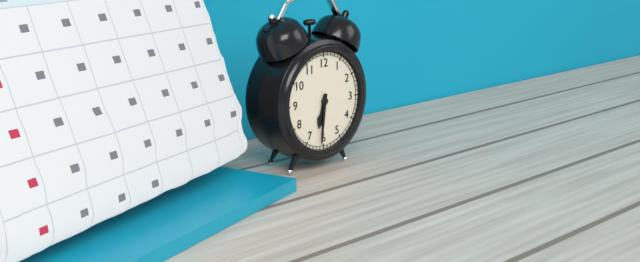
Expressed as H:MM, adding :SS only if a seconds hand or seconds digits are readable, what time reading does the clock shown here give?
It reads 6:31
